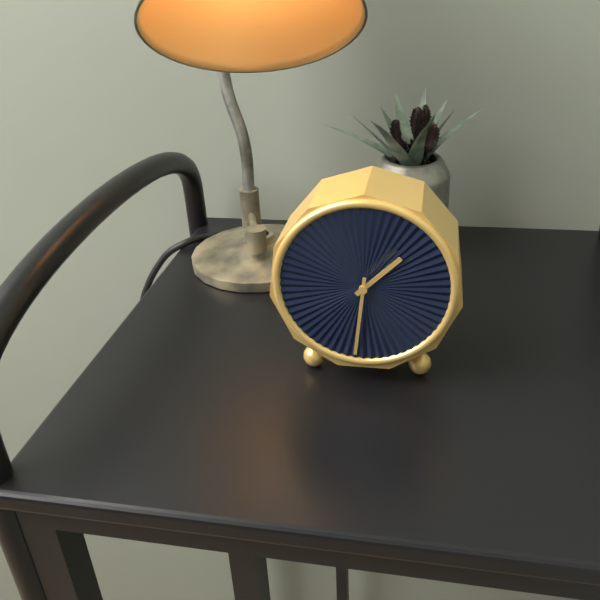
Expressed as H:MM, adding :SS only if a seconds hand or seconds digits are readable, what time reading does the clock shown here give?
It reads 1:31
